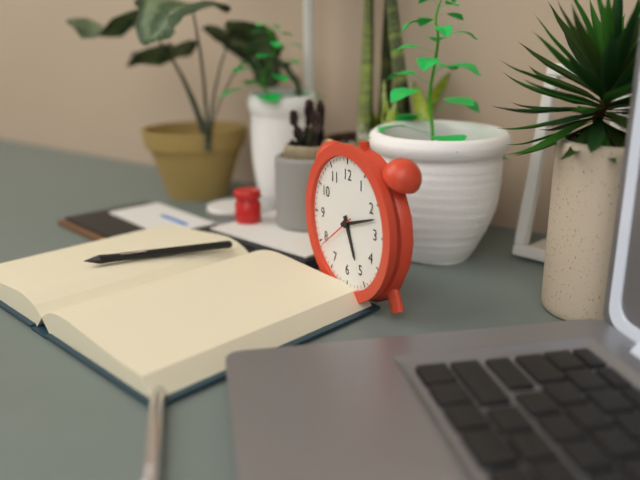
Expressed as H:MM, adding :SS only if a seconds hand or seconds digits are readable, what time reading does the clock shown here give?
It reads 5:12
